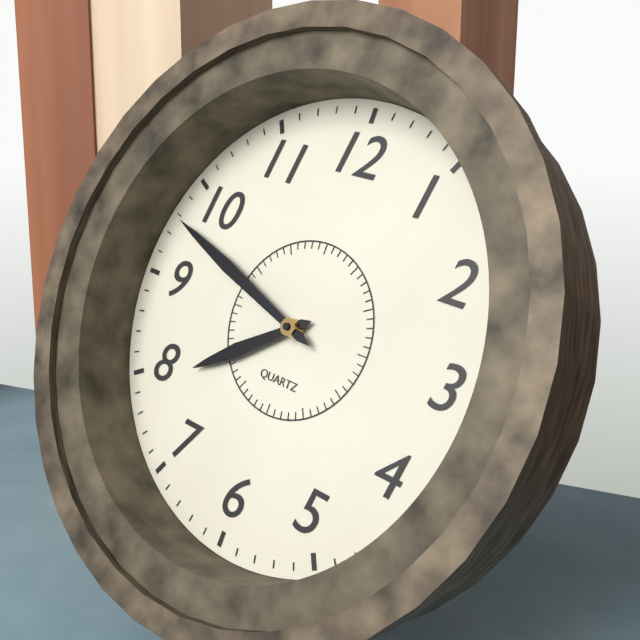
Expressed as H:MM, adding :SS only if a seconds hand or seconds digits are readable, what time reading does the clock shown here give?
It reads 7:48
